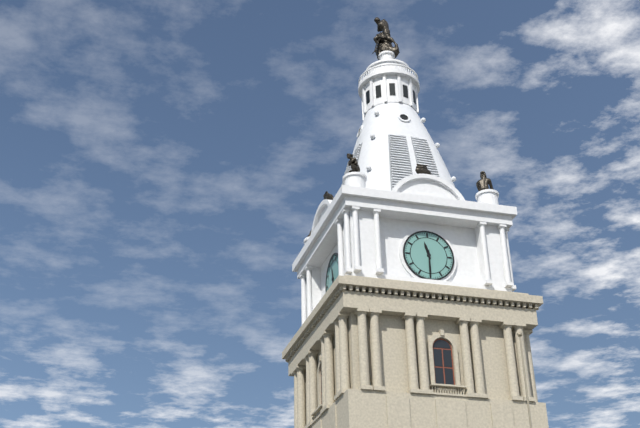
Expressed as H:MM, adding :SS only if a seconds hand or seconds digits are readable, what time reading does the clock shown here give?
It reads 11:30
